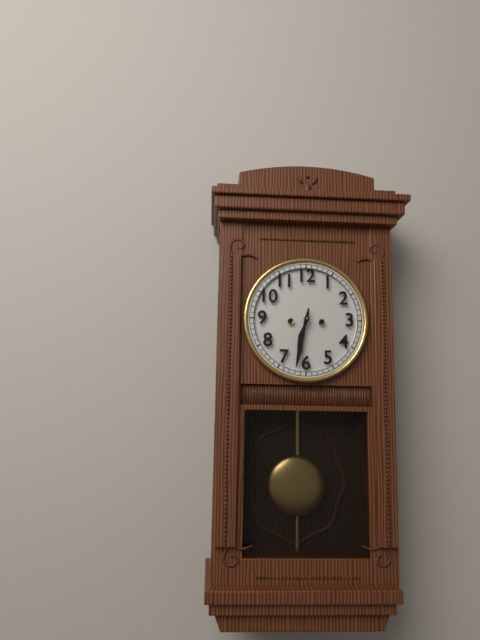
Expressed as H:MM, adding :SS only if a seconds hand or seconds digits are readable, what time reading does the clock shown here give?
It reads 6:32
